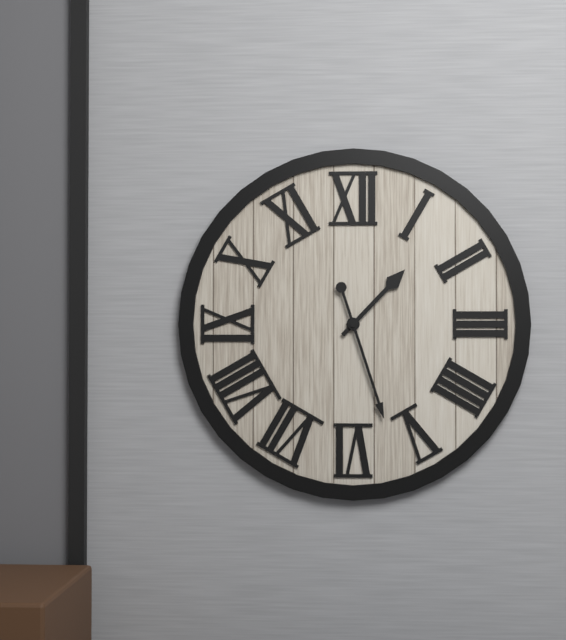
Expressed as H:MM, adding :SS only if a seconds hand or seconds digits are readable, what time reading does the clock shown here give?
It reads 1:27
